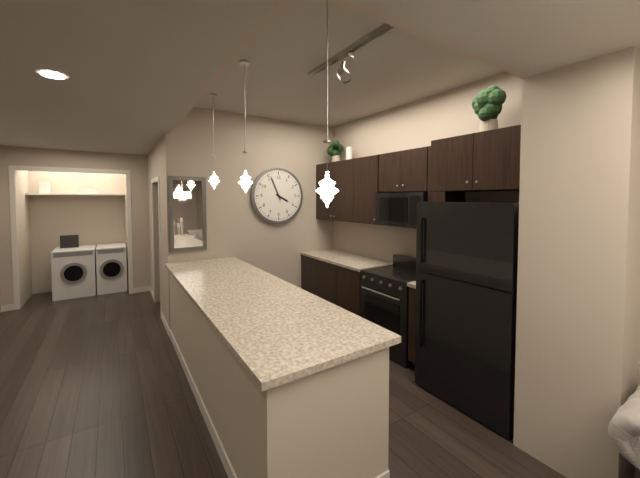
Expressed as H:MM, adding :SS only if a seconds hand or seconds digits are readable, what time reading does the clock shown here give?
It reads 3:56
